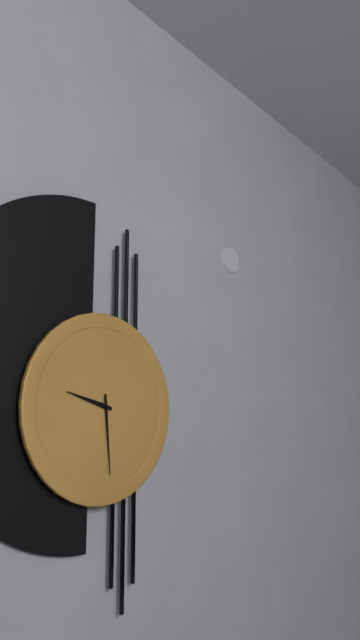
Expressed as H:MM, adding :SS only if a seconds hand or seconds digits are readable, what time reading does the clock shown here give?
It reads 9:29
